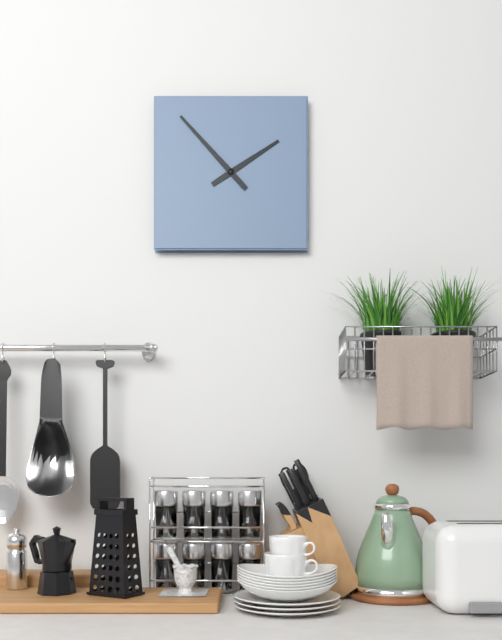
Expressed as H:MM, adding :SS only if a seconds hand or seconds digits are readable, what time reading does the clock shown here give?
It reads 1:53
